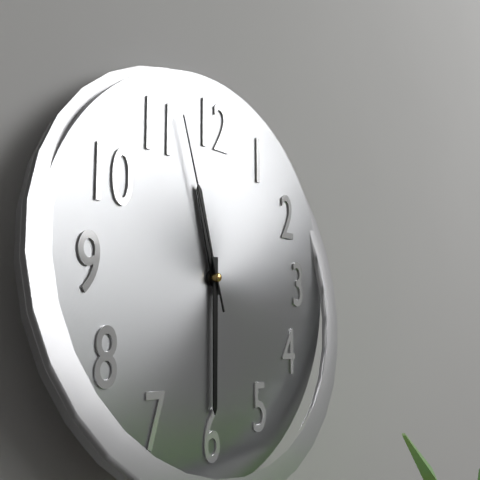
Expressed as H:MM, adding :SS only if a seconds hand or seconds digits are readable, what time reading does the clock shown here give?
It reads 11:30:57
